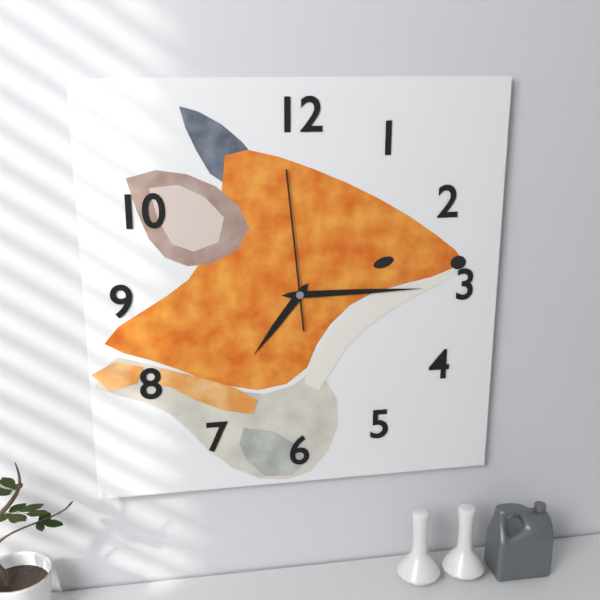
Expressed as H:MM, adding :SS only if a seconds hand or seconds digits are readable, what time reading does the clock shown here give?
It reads 7:15:59
